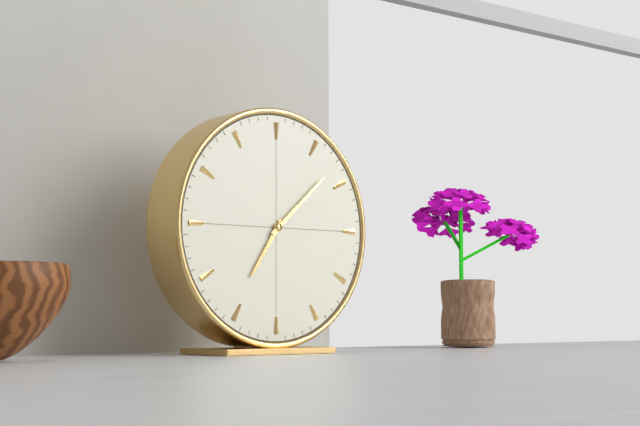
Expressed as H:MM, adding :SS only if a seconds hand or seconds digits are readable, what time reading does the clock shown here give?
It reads 7:08
